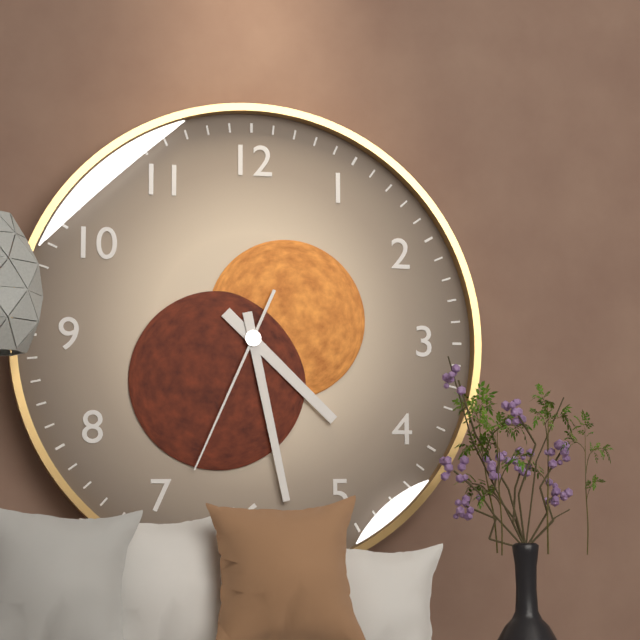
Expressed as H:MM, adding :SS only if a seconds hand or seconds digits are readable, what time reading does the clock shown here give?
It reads 4:28:34
